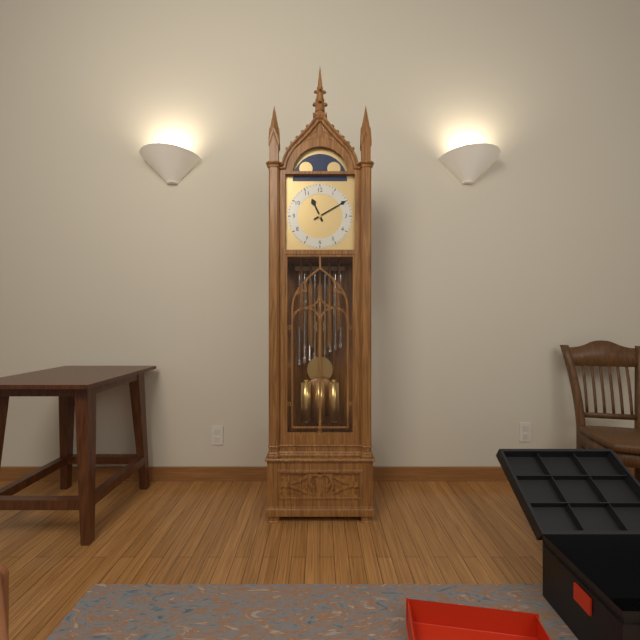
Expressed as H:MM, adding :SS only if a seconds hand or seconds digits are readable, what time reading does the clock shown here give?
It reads 11:10
